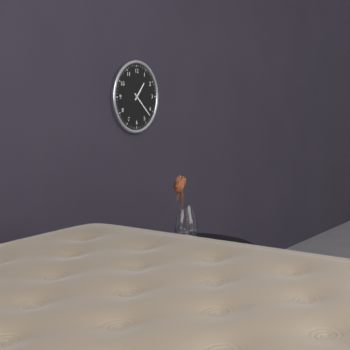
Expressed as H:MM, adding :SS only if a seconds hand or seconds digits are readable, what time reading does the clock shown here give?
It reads 1:22
